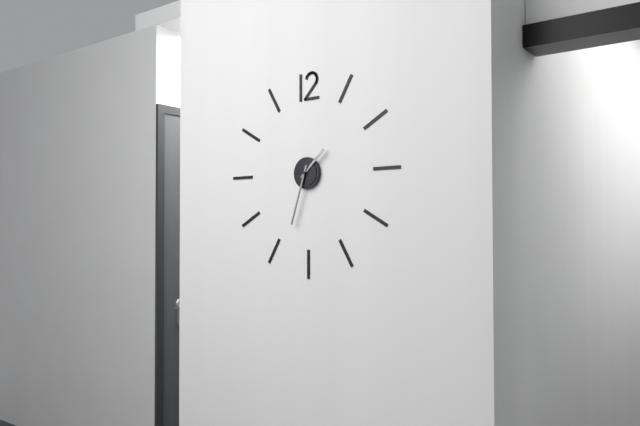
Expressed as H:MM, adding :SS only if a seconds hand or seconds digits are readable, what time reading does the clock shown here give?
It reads 1:33
